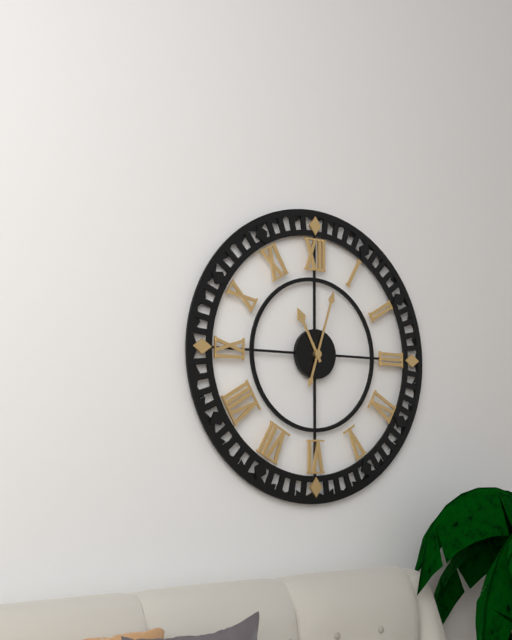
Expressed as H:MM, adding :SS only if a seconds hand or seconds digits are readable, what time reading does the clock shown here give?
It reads 11:03
